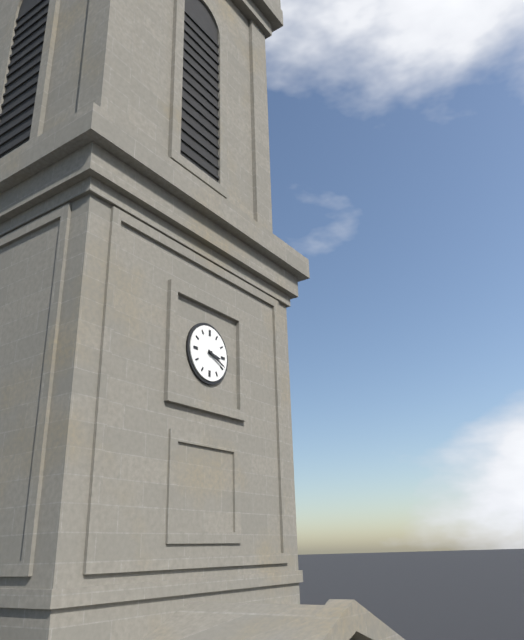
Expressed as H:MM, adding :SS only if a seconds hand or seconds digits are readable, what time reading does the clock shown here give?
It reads 3:19
